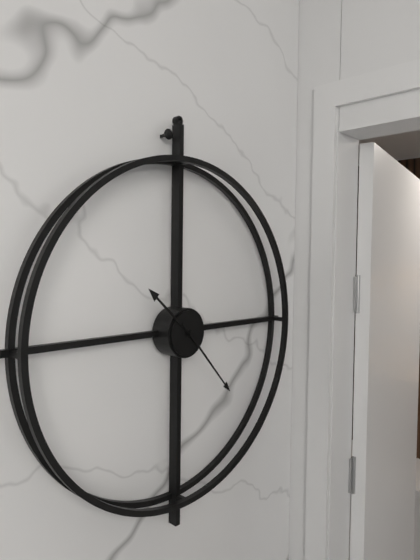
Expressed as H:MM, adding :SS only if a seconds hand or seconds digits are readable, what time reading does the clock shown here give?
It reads 10:23
